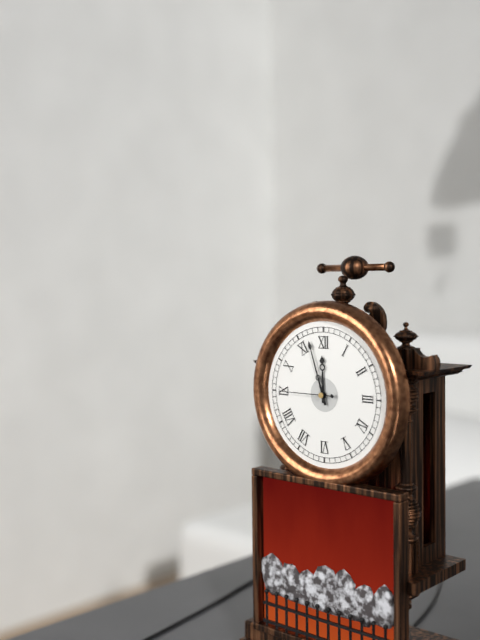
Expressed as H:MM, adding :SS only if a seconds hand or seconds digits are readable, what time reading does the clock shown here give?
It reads 11:57:45
